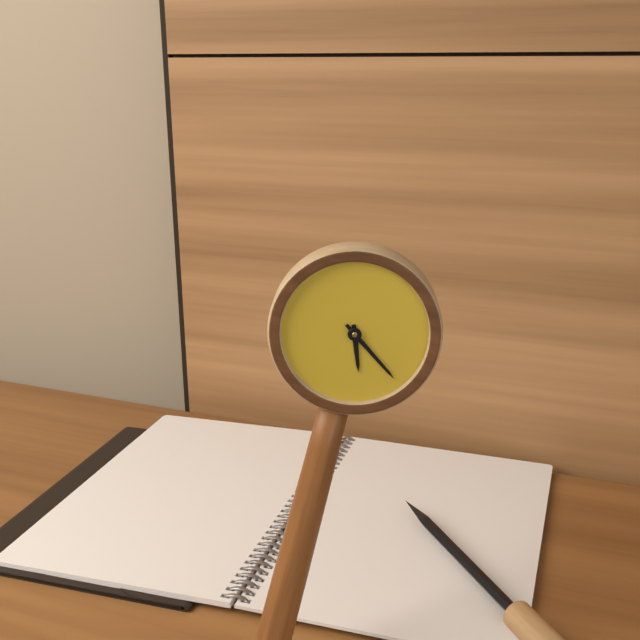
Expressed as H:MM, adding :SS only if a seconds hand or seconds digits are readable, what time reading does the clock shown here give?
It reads 5:21
